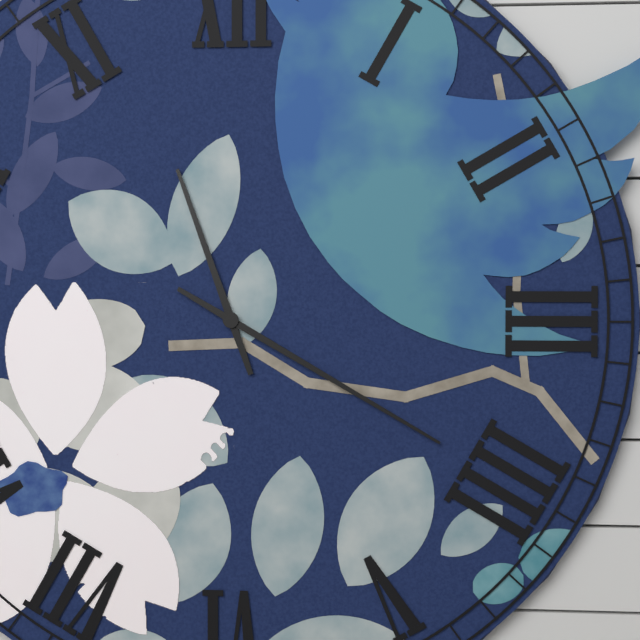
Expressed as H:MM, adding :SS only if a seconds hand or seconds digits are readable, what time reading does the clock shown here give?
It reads 11:20
